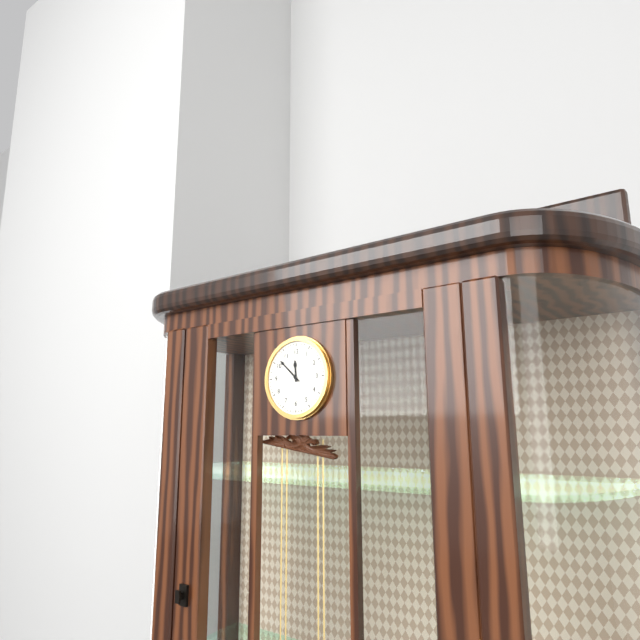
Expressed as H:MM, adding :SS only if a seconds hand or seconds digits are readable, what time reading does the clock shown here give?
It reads 11:52
